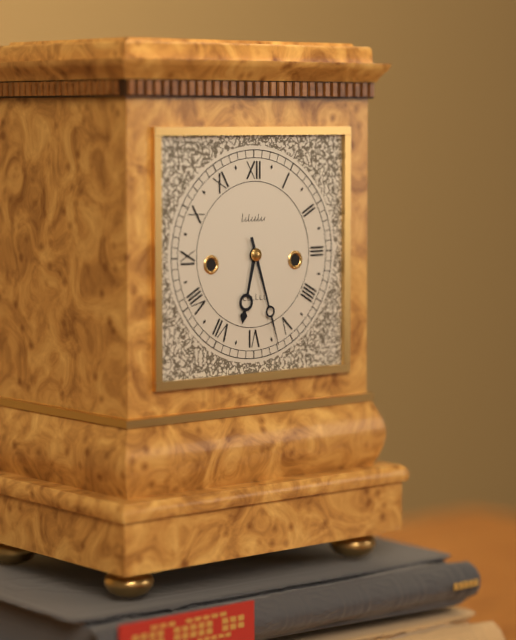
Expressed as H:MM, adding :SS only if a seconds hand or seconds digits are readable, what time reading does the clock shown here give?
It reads 6:27
